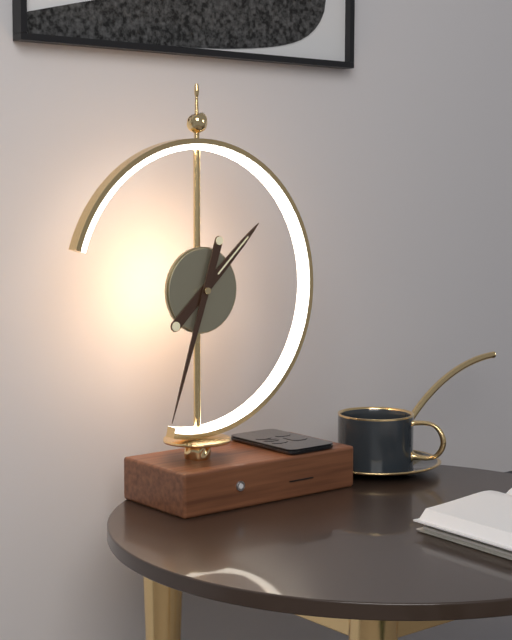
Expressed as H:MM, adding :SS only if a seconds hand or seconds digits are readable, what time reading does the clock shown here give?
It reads 1:33
